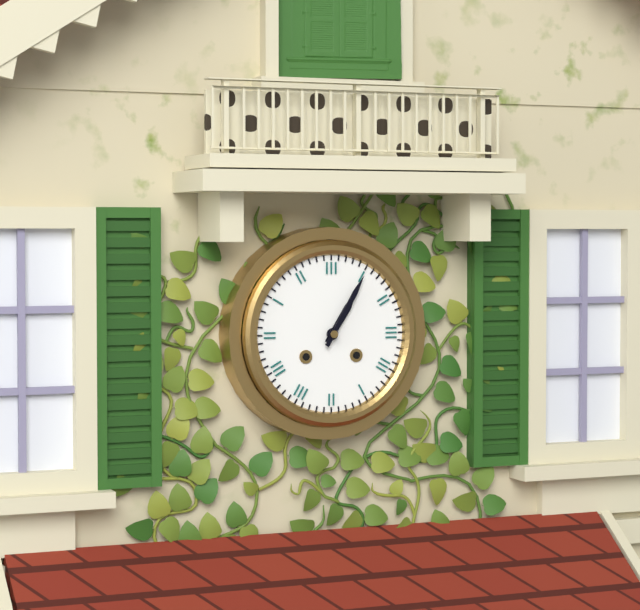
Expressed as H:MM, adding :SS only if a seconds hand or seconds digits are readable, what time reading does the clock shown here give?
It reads 1:05
